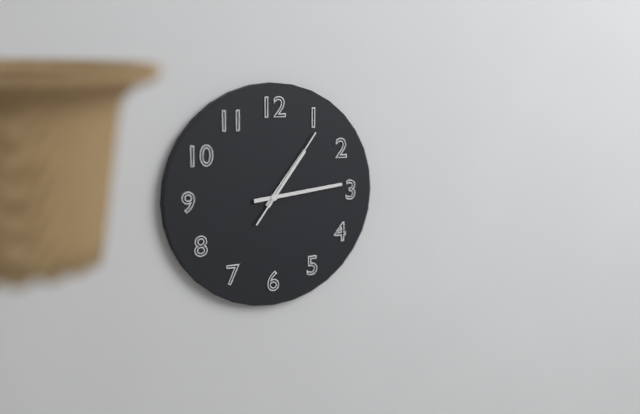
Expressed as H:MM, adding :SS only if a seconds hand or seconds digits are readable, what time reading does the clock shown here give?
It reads 1:14:06
